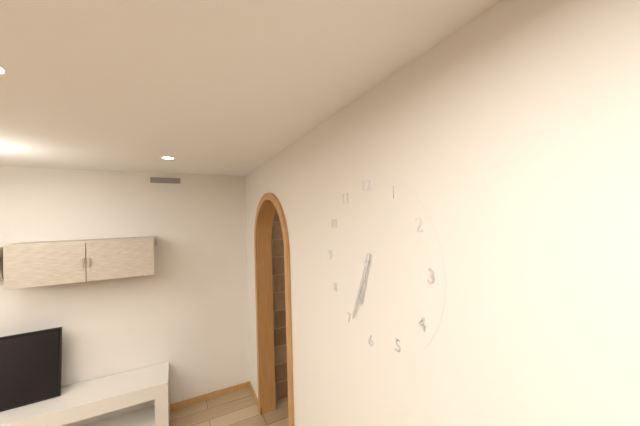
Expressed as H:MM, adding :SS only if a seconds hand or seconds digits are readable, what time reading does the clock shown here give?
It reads 6:34
